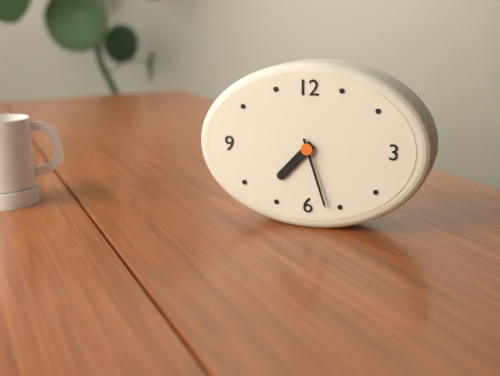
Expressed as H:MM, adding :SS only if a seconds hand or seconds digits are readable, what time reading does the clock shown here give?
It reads 7:27
